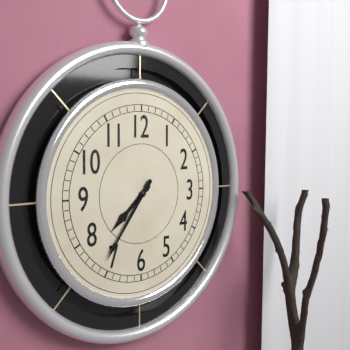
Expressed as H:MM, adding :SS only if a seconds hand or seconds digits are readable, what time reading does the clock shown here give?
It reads 7:36
